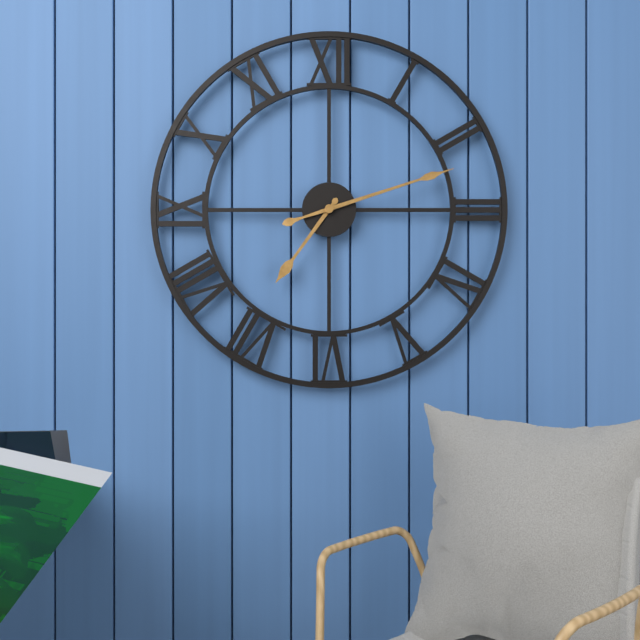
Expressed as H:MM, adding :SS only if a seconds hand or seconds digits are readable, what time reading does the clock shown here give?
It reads 7:12
